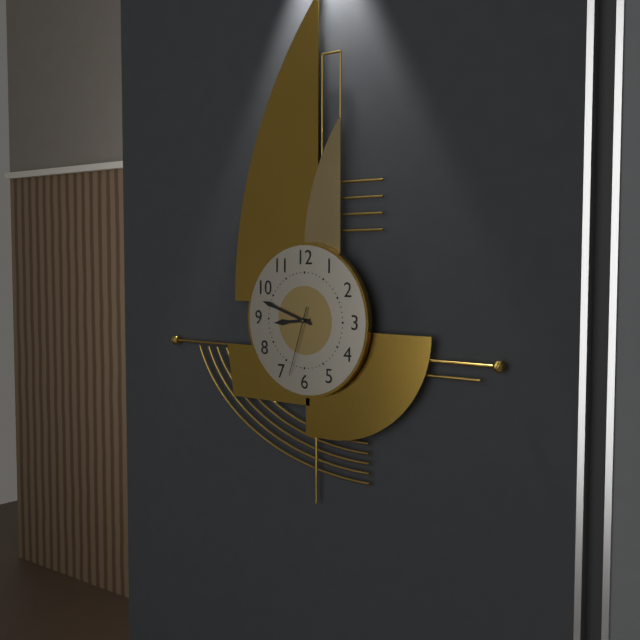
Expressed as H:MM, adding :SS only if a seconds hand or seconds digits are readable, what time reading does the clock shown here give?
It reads 8:48:33
